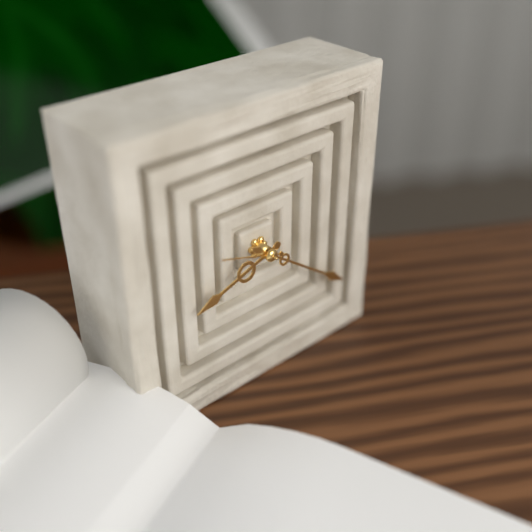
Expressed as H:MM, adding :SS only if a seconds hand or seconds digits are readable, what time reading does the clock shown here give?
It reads 8:21:48
